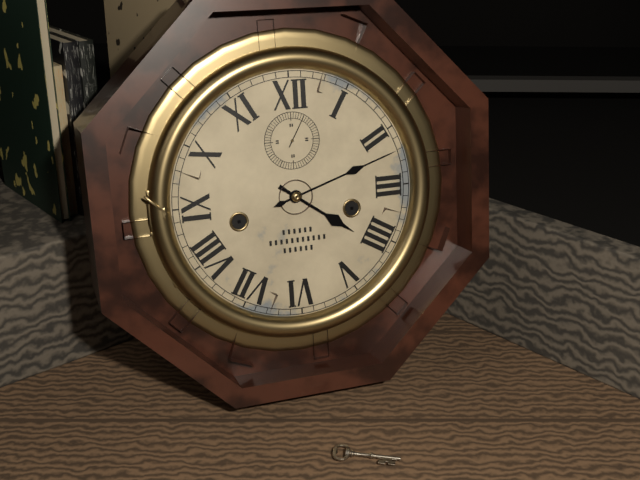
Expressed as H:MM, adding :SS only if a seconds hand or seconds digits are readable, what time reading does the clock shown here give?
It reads 4:12
